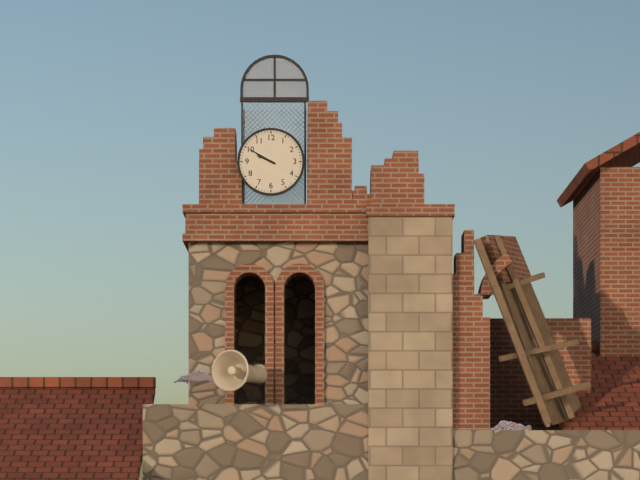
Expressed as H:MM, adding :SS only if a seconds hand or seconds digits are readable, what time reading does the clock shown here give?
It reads 9:50
